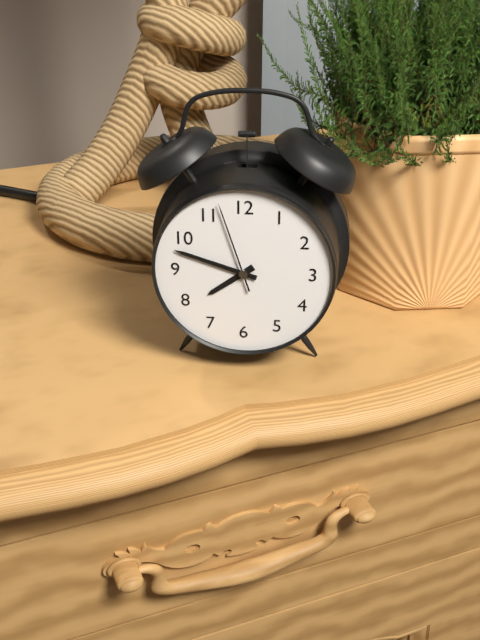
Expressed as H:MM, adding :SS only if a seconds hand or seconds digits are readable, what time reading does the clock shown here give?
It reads 7:48:57
